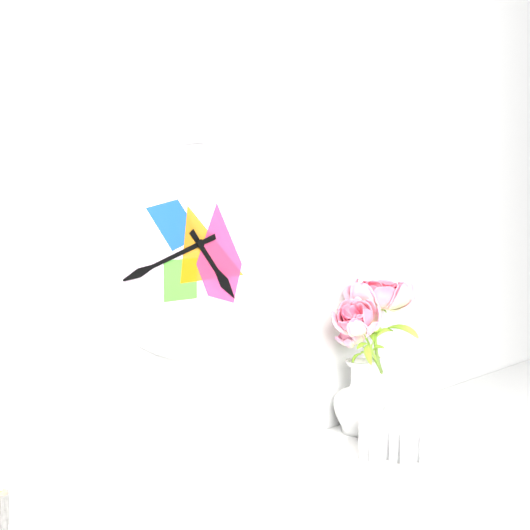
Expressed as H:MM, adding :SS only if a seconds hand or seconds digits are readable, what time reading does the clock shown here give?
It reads 4:42
